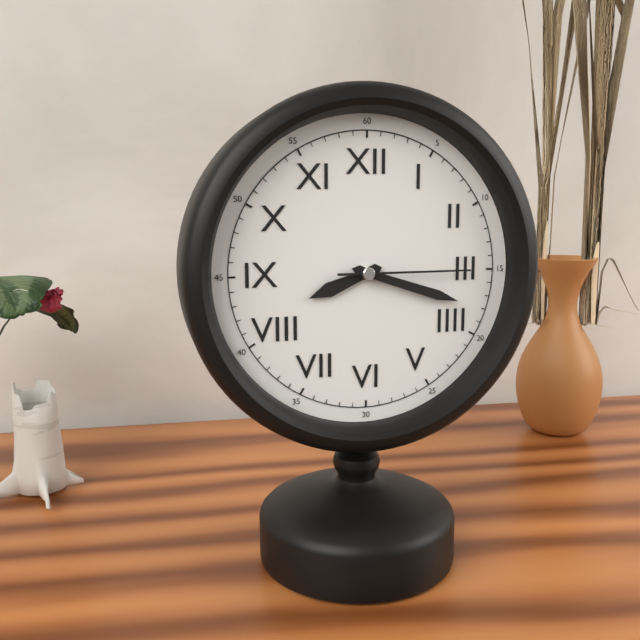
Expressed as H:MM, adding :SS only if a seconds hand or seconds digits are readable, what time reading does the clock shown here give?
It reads 8:18:15
